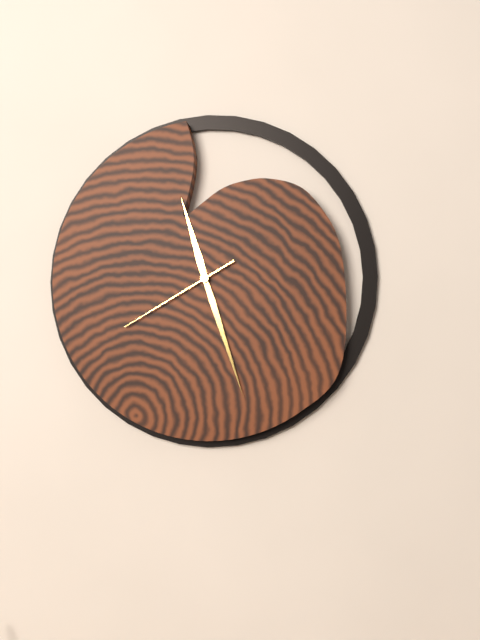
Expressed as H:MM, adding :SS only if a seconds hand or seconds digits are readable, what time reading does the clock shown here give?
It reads 11:27:40
